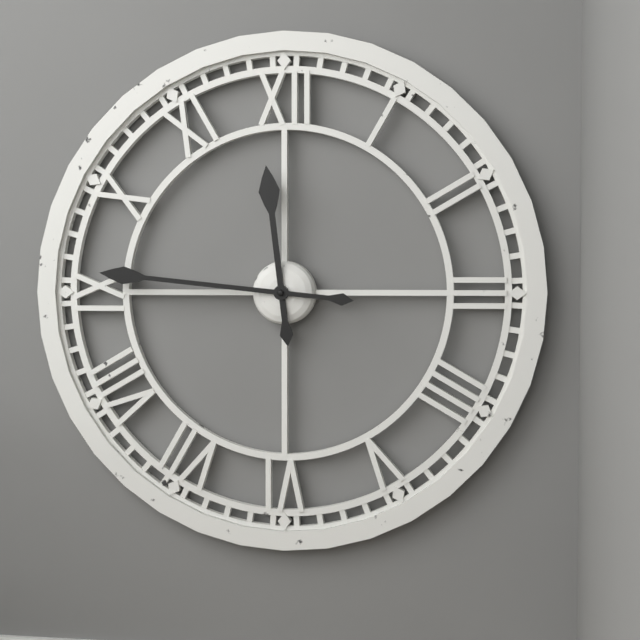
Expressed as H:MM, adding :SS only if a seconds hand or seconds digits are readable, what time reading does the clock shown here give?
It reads 11:46
